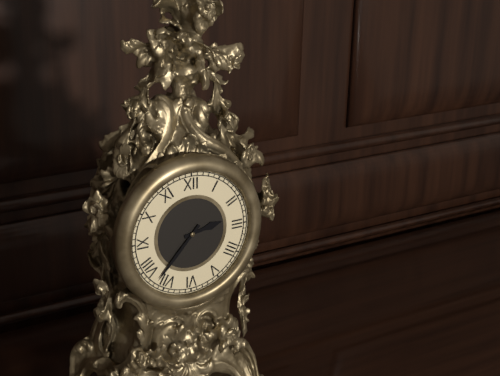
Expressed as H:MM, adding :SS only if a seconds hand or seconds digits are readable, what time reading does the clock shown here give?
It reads 2:37
